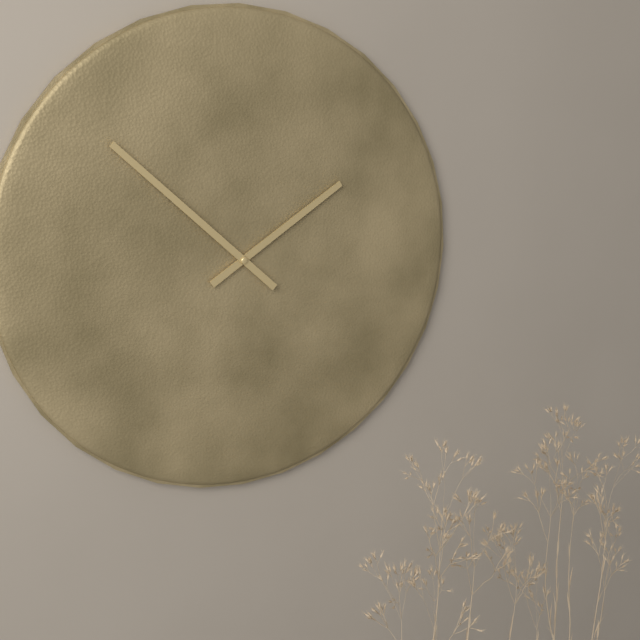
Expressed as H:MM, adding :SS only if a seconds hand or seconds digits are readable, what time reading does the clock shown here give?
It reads 1:52
